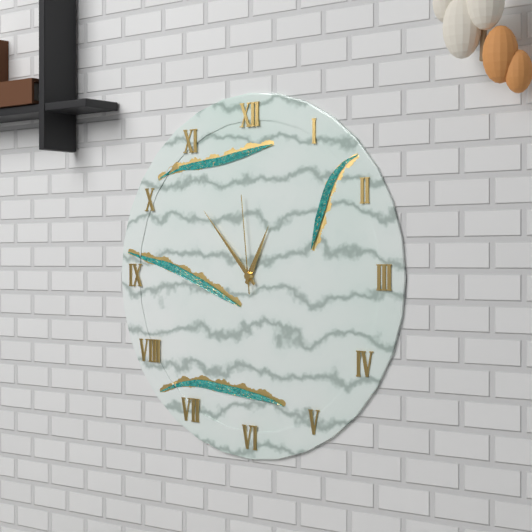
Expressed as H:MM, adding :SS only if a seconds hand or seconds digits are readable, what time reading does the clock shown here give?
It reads 12:53:59
